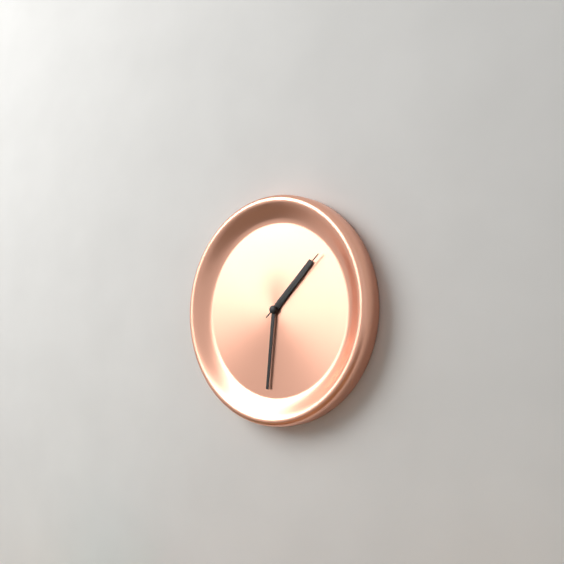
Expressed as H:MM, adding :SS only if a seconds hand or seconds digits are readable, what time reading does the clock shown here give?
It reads 1:31:08
